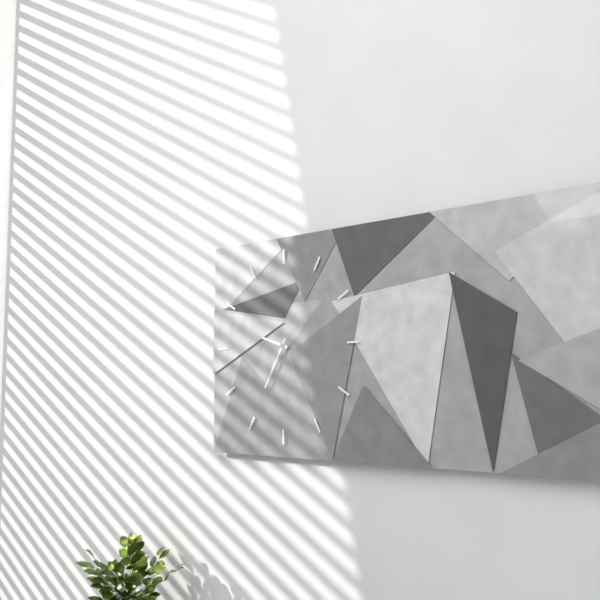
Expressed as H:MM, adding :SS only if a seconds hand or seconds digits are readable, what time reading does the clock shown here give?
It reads 9:35
